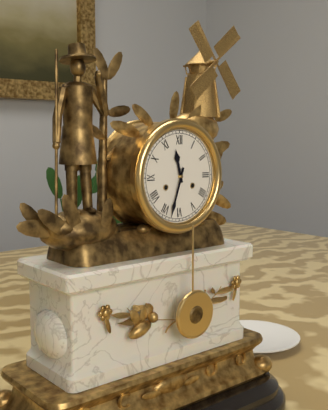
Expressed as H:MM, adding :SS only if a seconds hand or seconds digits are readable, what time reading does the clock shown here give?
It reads 11:33
